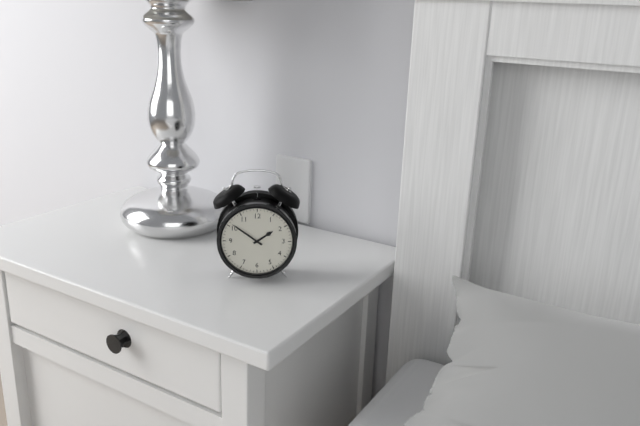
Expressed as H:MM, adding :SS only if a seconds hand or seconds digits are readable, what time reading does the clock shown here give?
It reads 1:51
